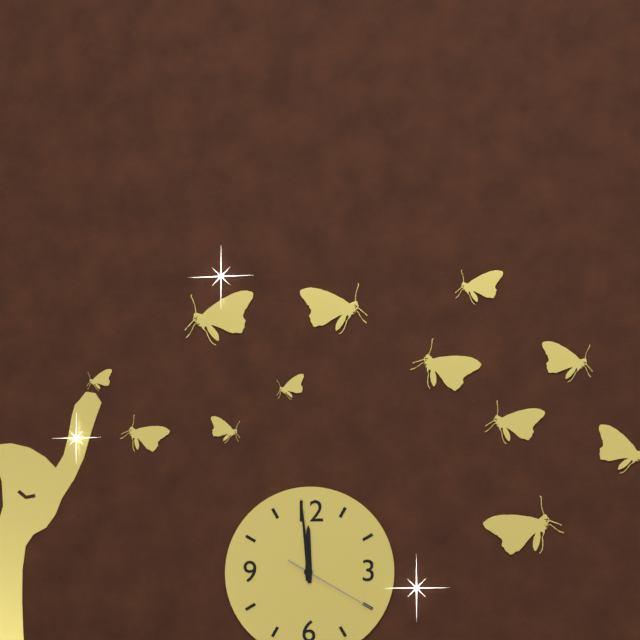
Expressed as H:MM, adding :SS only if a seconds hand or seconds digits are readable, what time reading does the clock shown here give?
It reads 11:59:20
